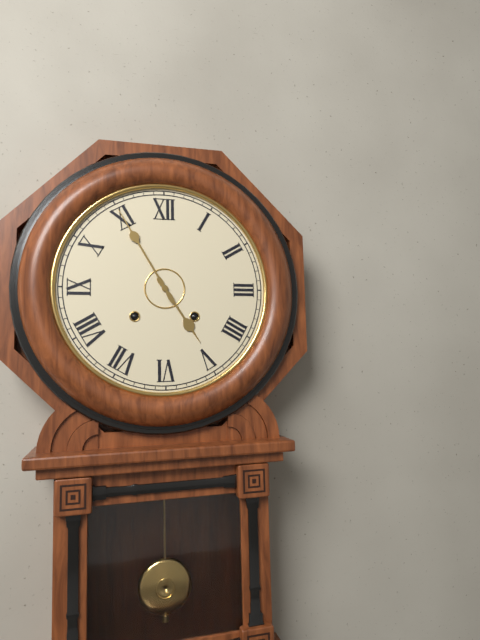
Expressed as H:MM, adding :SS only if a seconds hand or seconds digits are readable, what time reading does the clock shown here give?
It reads 4:55
